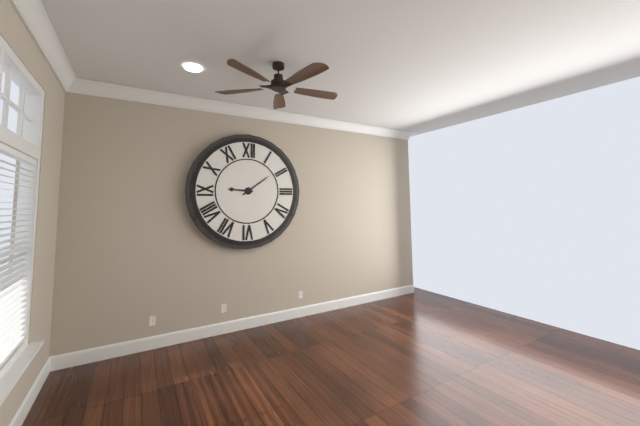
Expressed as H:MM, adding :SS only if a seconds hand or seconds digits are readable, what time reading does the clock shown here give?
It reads 9:09
